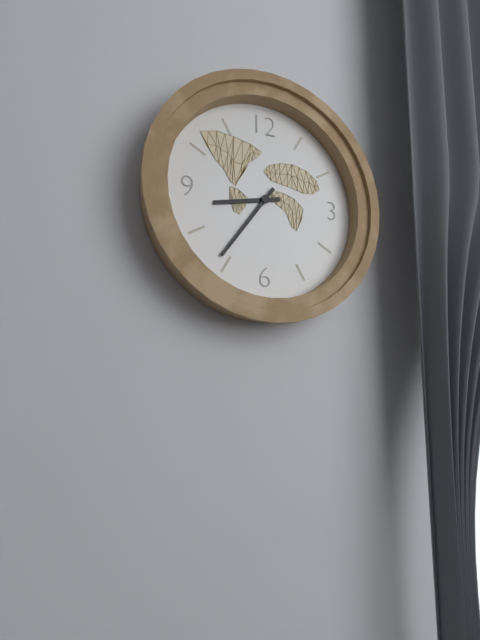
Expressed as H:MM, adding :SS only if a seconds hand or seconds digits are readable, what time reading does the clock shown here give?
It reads 8:36
